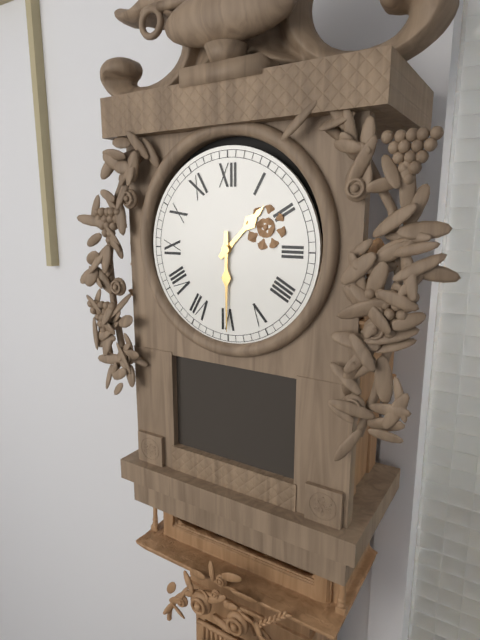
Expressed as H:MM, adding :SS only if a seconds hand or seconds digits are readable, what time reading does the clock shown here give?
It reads 1:30
